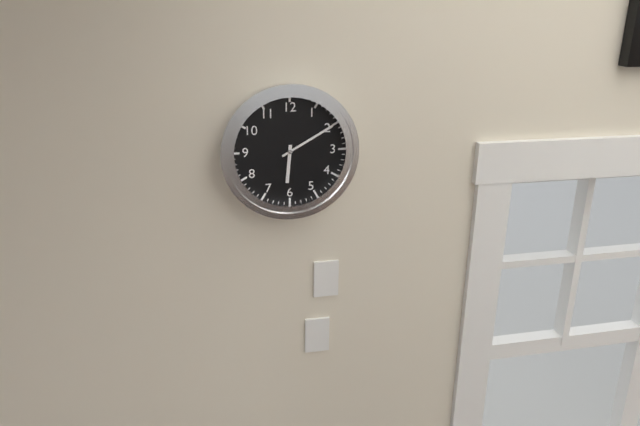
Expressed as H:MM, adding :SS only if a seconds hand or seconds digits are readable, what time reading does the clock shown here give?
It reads 6:10
